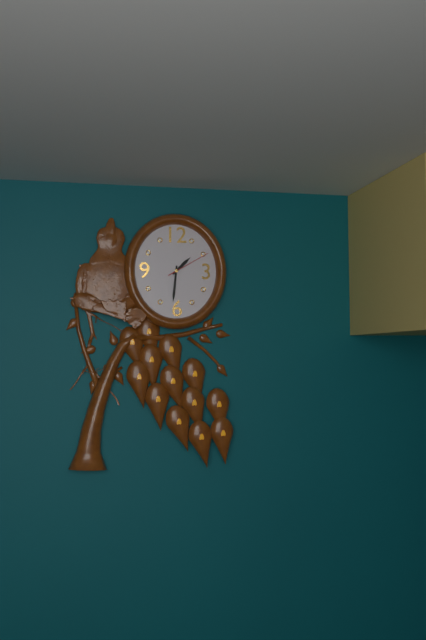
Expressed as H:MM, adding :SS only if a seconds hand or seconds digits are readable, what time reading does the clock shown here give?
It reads 1:31
